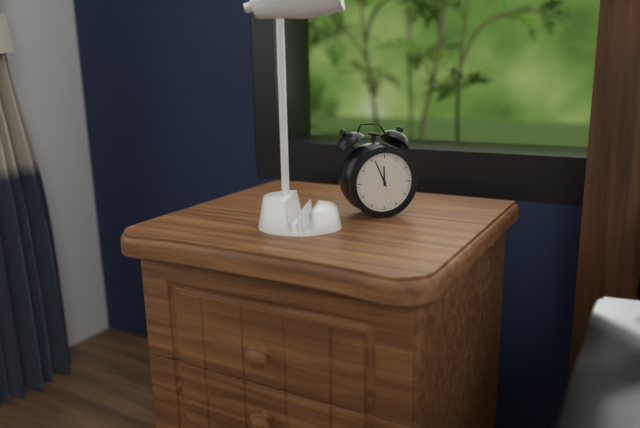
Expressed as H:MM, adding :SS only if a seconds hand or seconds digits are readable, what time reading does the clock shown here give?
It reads 11:56
